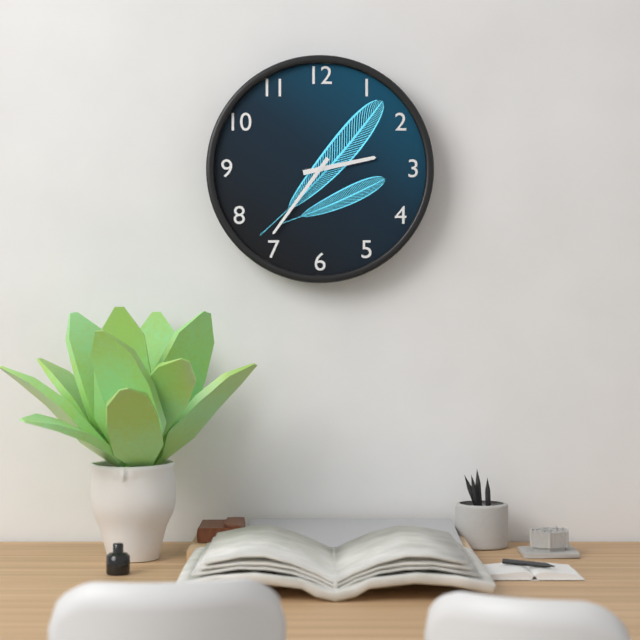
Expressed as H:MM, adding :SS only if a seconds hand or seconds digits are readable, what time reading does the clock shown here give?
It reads 2:36
